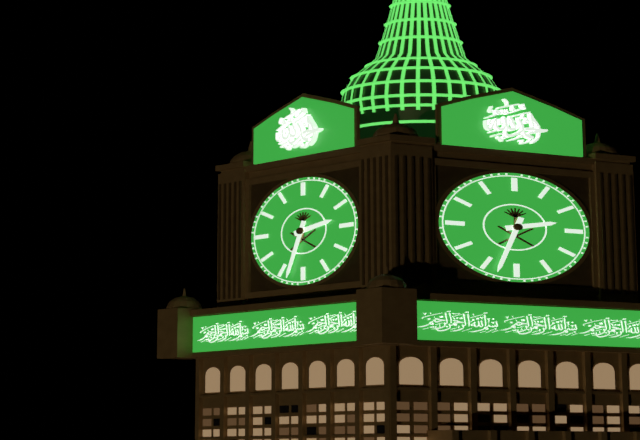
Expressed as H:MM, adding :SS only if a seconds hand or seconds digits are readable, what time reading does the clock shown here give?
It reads 2:33
